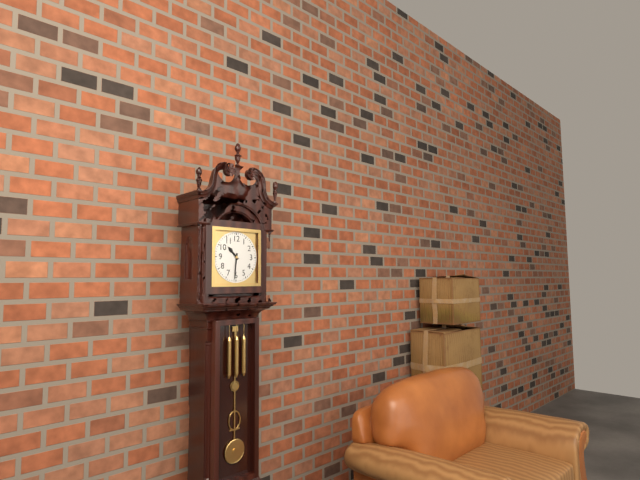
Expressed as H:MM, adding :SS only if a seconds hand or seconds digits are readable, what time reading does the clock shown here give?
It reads 10:31
